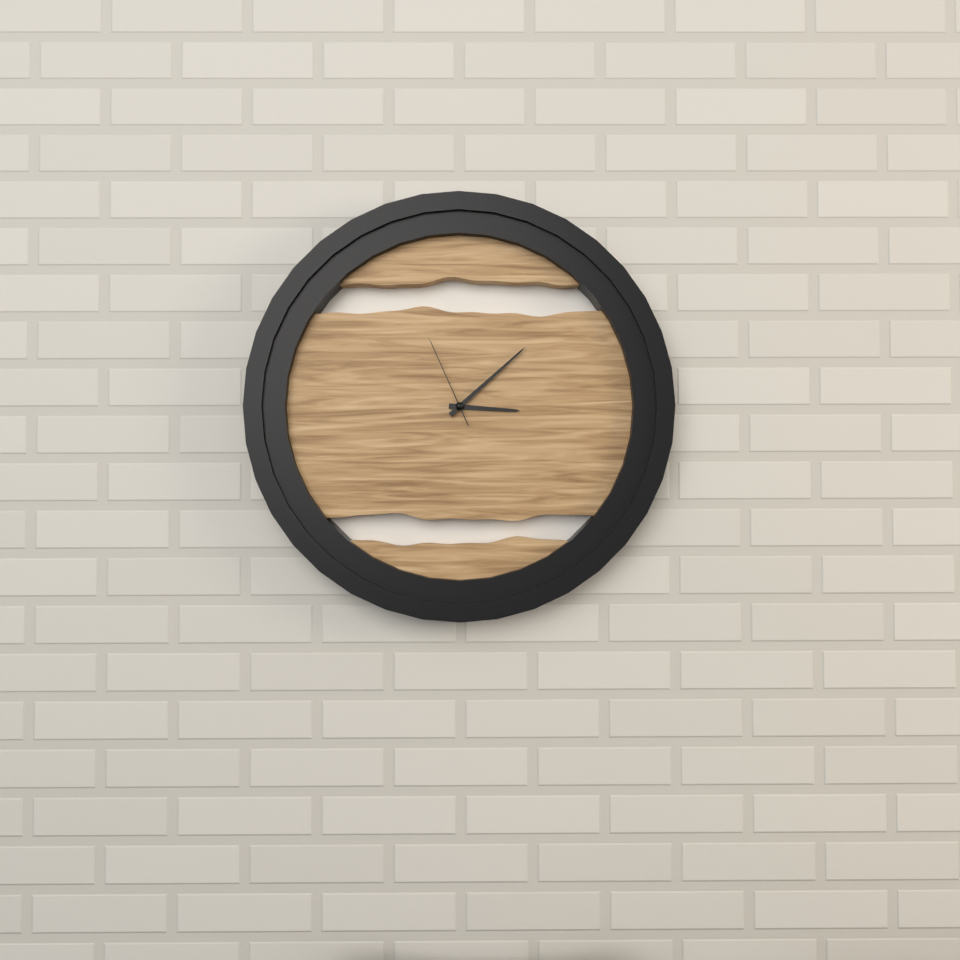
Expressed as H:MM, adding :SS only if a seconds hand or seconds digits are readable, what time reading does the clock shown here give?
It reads 3:08:56
